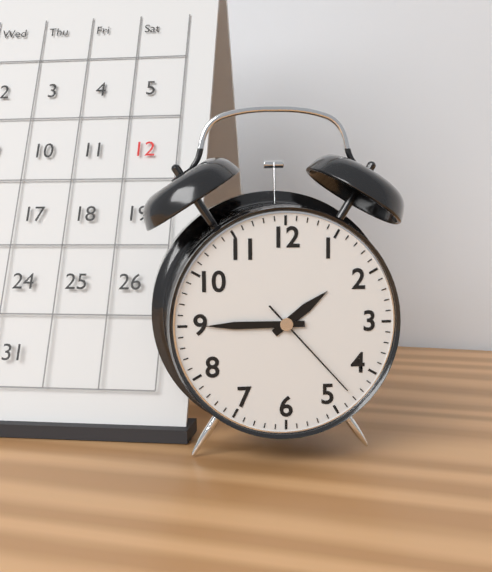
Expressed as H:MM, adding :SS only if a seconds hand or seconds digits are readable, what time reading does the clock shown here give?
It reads 1:45:23
